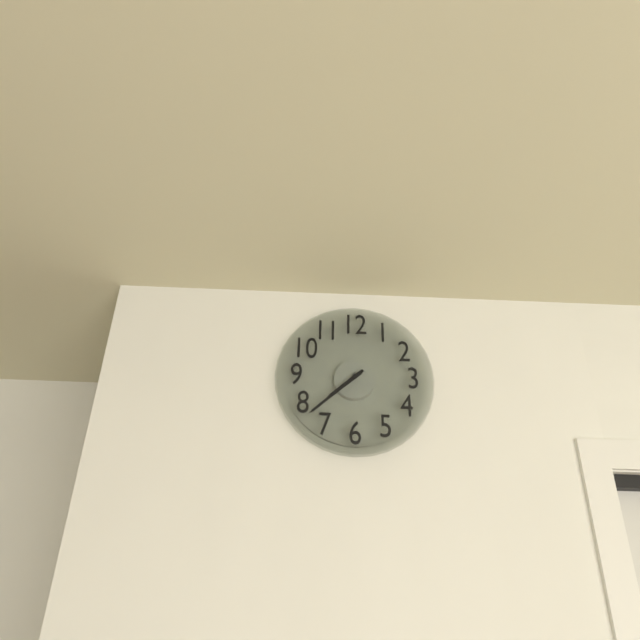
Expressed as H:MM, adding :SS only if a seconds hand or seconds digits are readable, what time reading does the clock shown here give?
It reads 7:38
